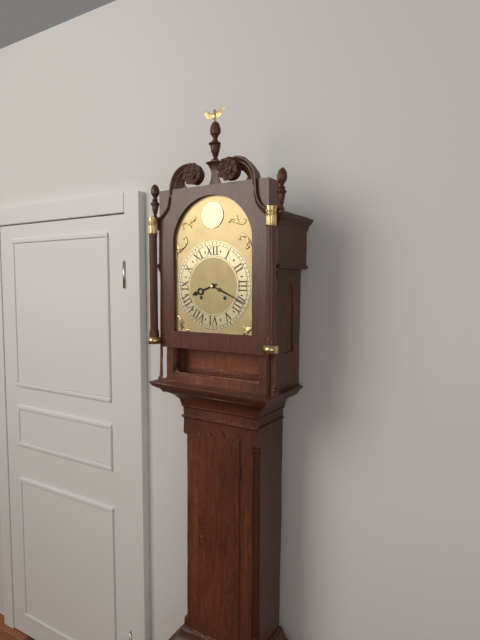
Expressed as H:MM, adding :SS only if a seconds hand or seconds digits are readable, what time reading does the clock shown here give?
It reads 8:19
